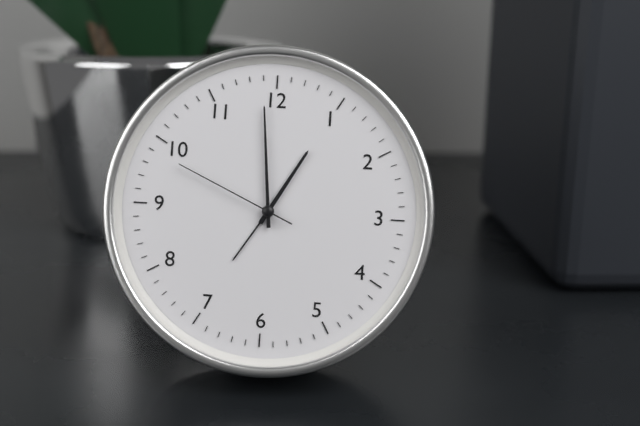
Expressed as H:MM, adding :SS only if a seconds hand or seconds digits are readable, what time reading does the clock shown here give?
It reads 12:59:49
